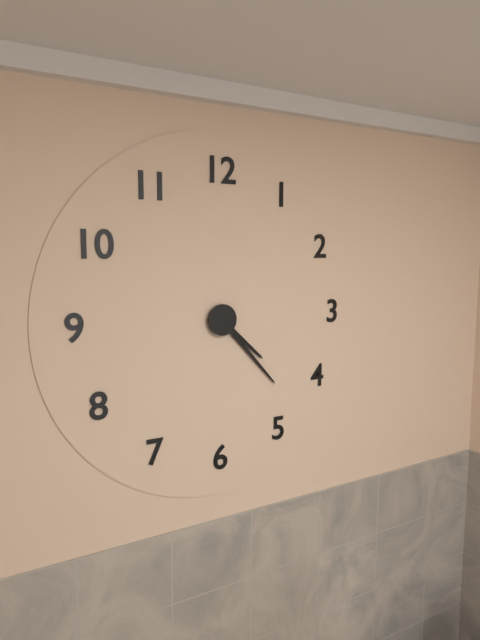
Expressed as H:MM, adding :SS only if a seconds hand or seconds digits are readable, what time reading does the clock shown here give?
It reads 4:23
